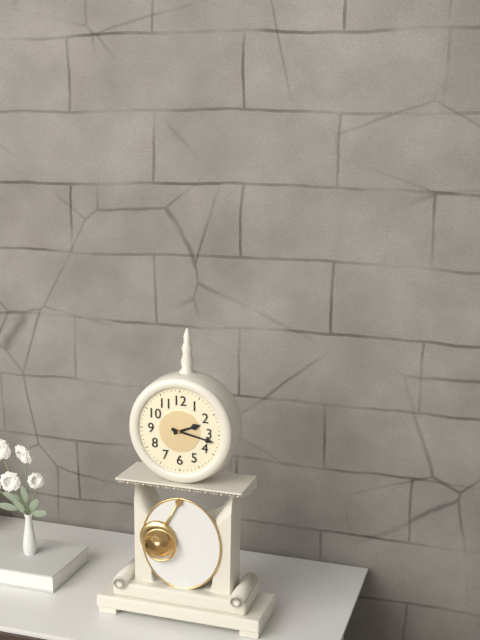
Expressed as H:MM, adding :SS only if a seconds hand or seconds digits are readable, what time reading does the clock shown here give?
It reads 2:17
